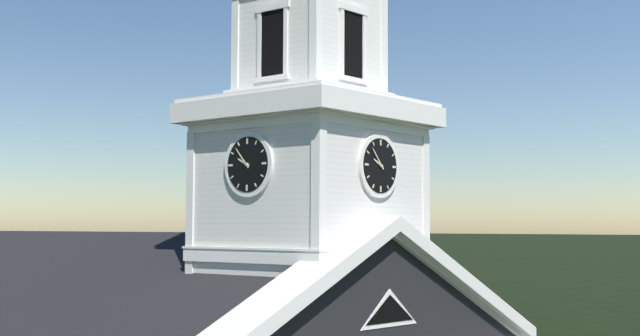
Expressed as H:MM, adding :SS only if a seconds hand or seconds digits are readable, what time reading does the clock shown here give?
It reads 9:53
